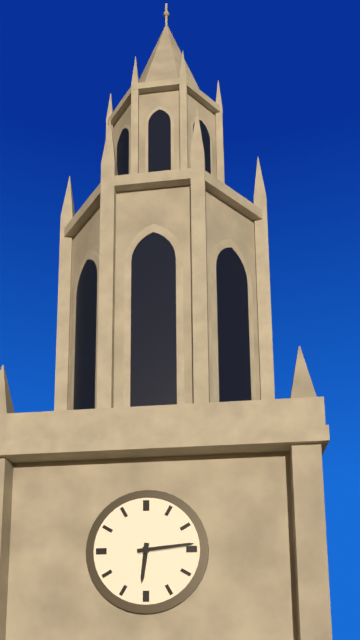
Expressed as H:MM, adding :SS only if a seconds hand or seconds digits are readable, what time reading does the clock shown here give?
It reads 6:14
